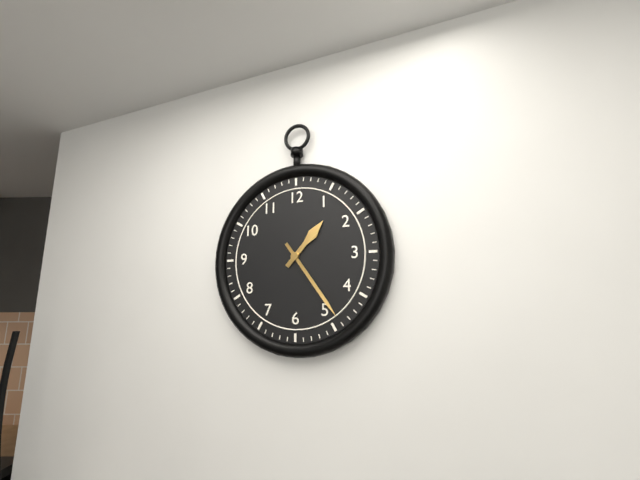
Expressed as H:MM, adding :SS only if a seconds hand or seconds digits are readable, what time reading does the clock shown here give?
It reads 1:24
